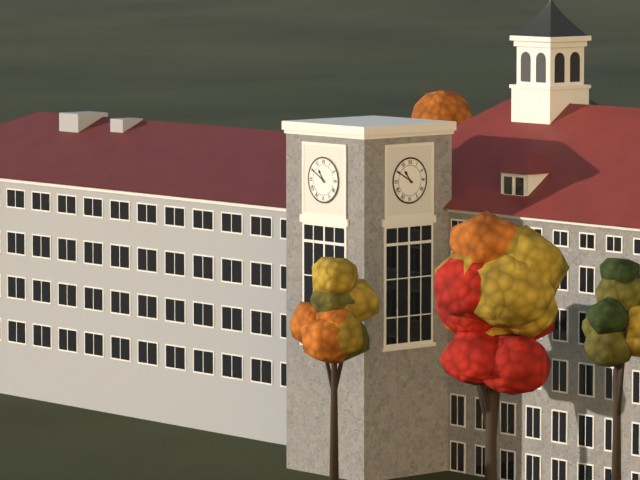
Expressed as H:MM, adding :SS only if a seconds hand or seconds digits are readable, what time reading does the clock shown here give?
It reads 10:50
